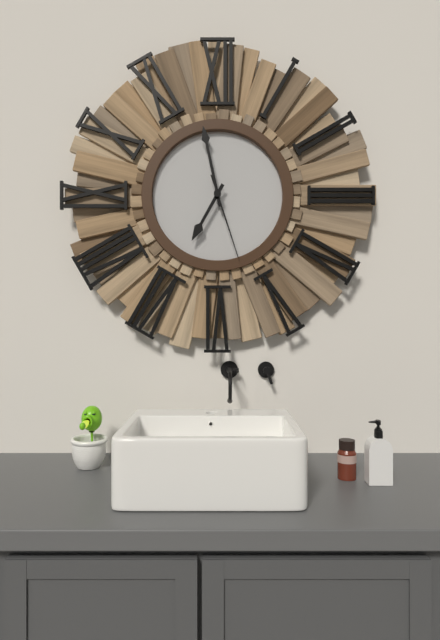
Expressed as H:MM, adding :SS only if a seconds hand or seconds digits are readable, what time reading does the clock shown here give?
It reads 6:58:27
